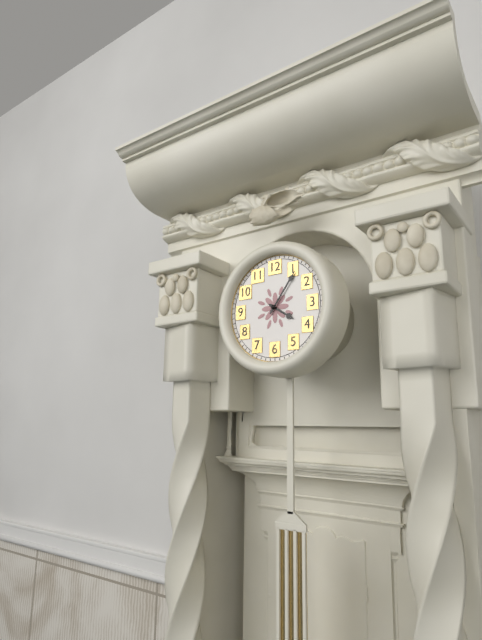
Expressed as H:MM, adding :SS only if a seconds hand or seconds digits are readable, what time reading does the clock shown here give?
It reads 4:06
